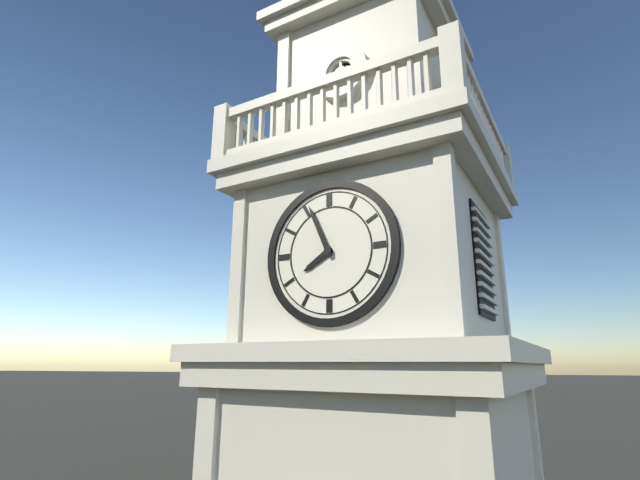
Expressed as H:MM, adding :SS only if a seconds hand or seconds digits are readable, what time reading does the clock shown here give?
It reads 7:56
